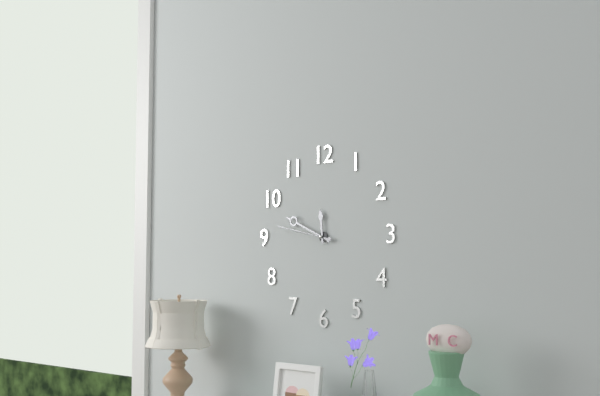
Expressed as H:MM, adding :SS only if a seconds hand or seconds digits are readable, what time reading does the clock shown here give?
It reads 11:49:47
